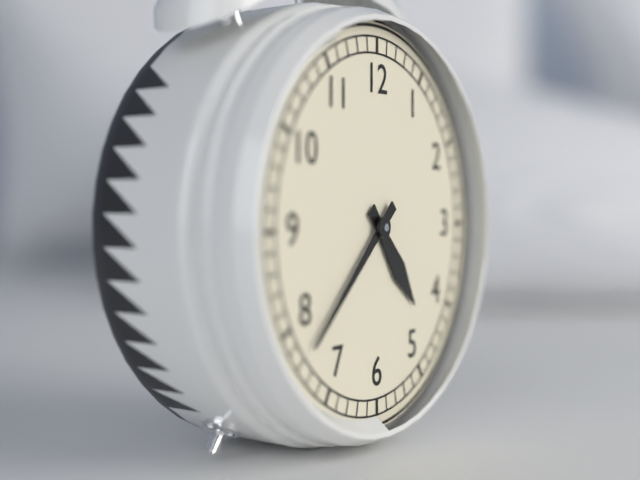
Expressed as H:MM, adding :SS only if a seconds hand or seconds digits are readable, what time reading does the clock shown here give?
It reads 4:38
